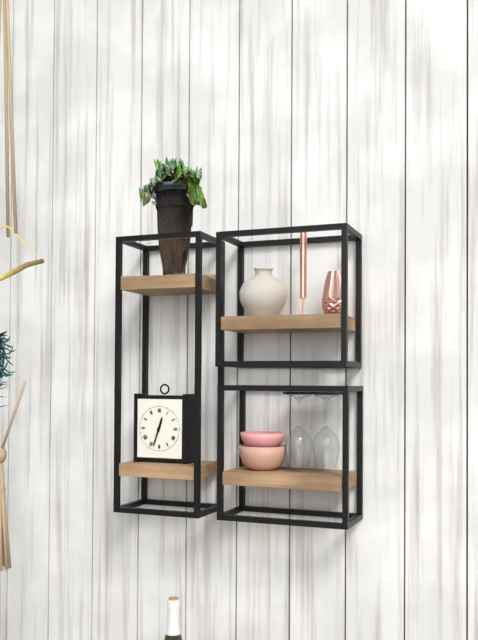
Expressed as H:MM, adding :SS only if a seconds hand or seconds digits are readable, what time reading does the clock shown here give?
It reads 12:33
